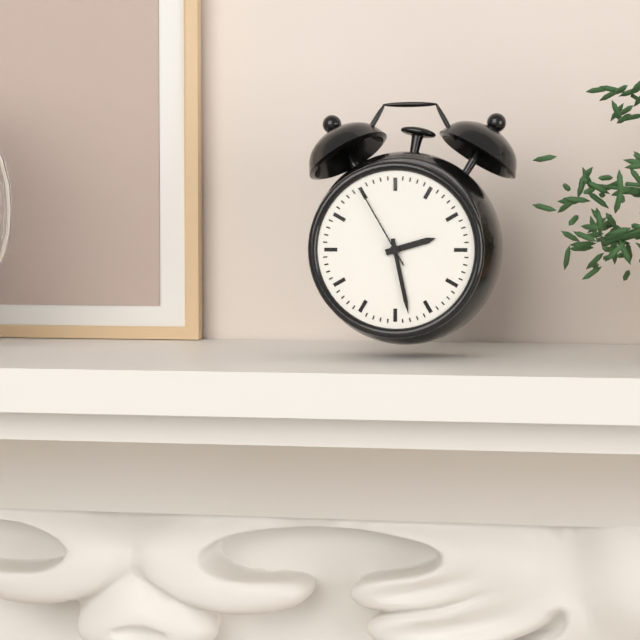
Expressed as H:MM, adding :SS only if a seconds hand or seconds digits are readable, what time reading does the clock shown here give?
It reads 2:28:55
